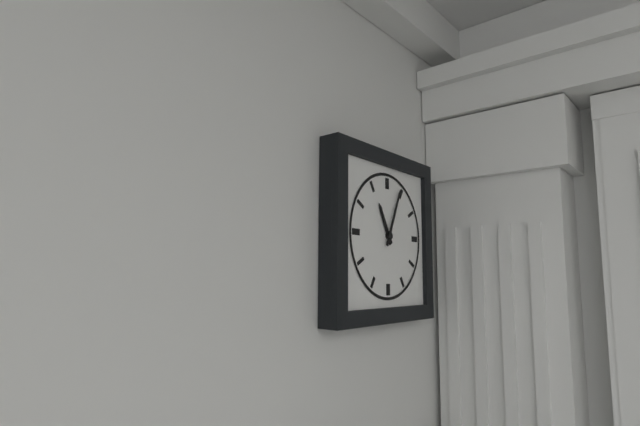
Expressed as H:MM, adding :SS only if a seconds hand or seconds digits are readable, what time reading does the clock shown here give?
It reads 11:04
